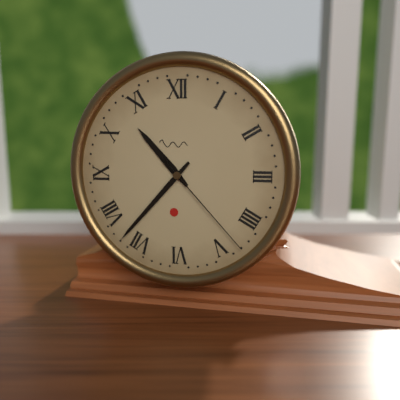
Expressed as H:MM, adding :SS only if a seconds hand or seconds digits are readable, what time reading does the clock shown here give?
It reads 10:37:23
